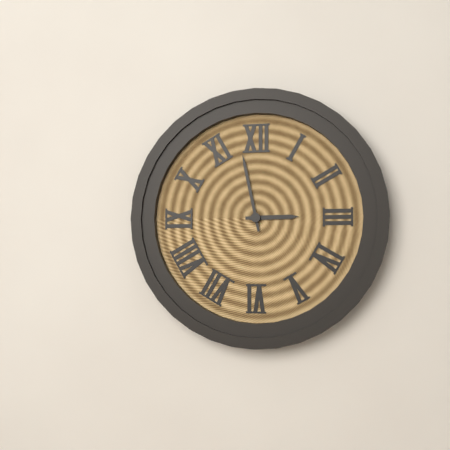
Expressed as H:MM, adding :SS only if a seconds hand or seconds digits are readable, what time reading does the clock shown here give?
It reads 2:58
